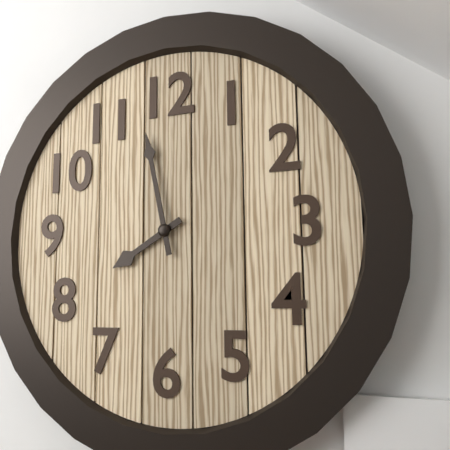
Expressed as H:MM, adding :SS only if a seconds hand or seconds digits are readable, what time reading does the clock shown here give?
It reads 7:58
